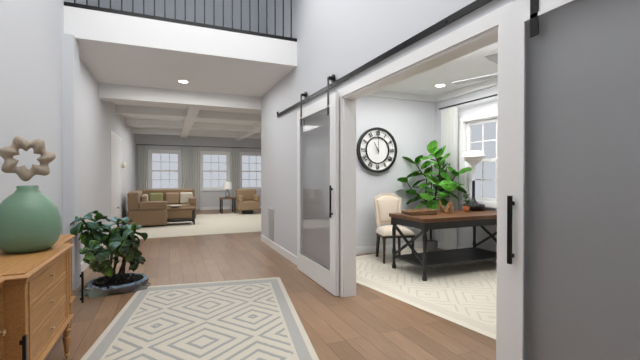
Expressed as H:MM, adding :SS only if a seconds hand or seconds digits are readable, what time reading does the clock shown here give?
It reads 11:00
